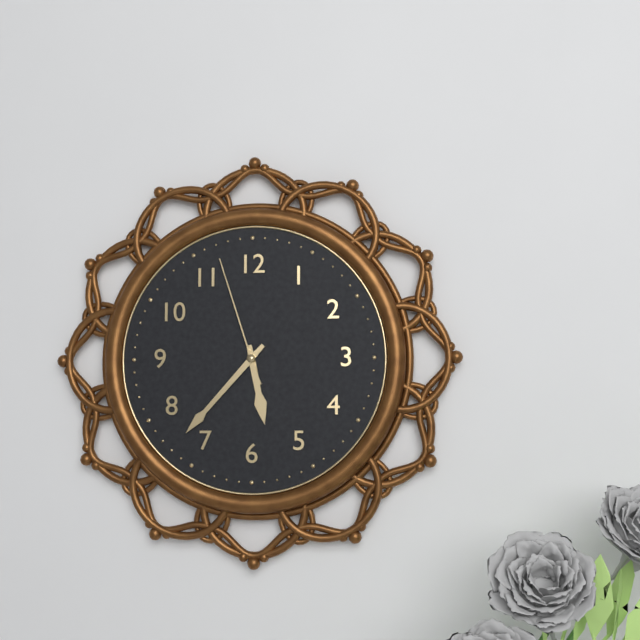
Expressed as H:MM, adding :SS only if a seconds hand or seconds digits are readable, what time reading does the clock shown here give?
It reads 5:37:57
